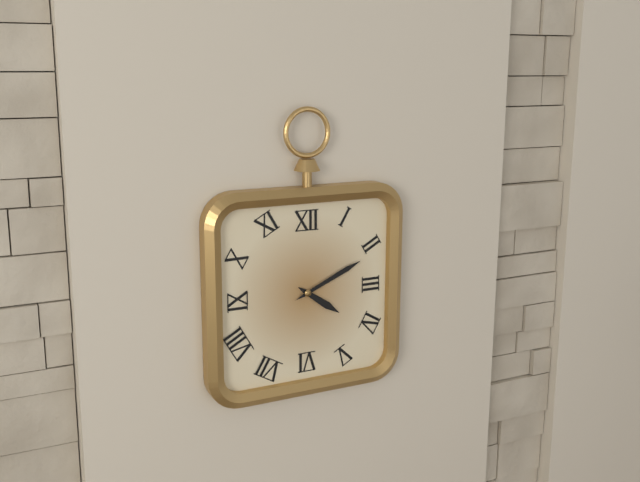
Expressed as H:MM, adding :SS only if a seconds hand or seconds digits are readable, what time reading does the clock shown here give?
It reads 4:11
